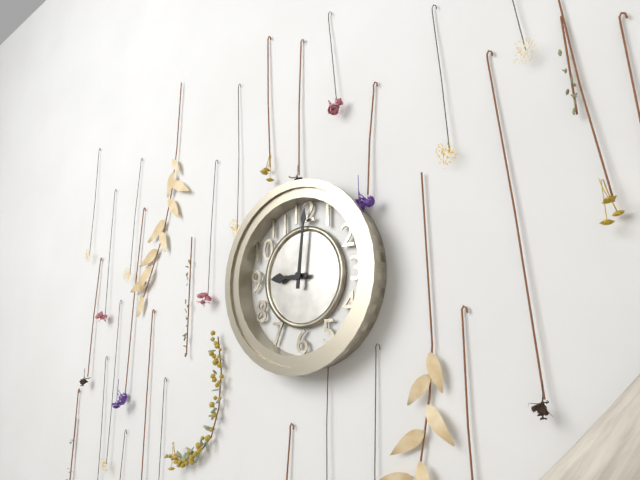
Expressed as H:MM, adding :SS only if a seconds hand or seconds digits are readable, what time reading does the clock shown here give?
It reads 9:01
